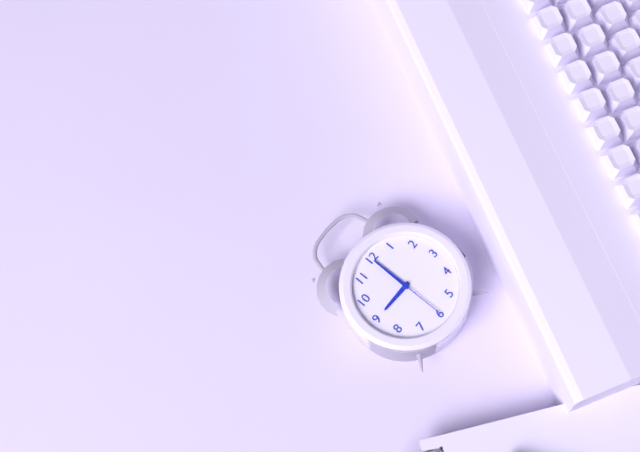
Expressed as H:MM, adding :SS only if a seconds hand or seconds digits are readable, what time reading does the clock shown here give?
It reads 9:00:30
